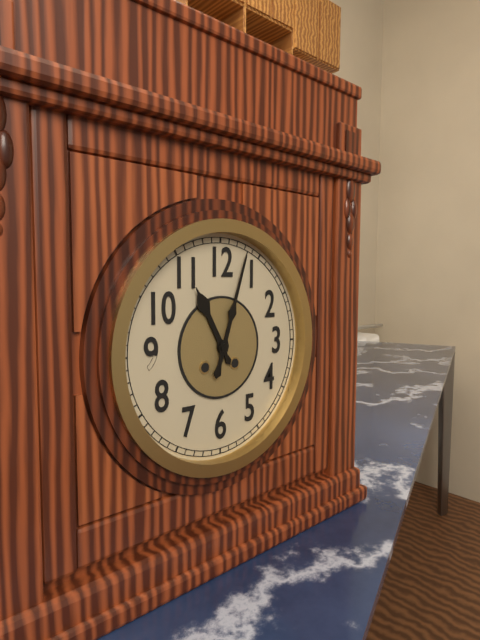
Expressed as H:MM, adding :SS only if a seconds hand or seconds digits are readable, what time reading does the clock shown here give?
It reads 11:03
